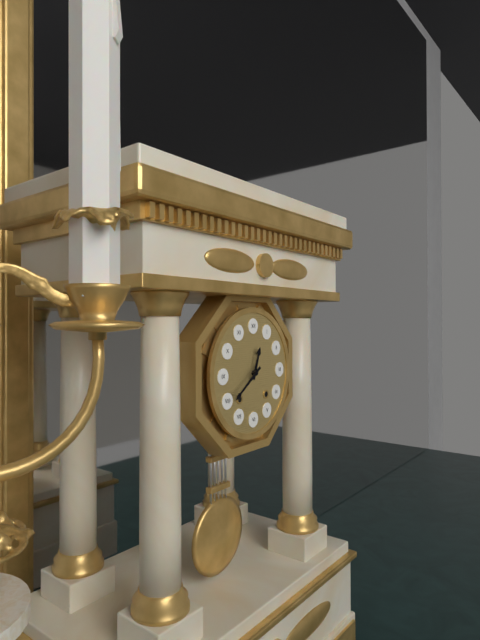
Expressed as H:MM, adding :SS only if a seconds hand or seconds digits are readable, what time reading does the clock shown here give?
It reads 12:39
